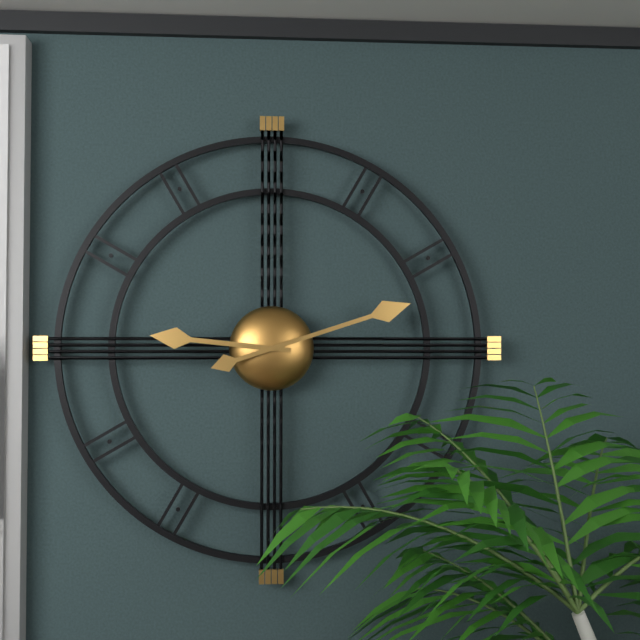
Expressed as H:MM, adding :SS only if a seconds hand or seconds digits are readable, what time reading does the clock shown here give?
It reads 9:12
